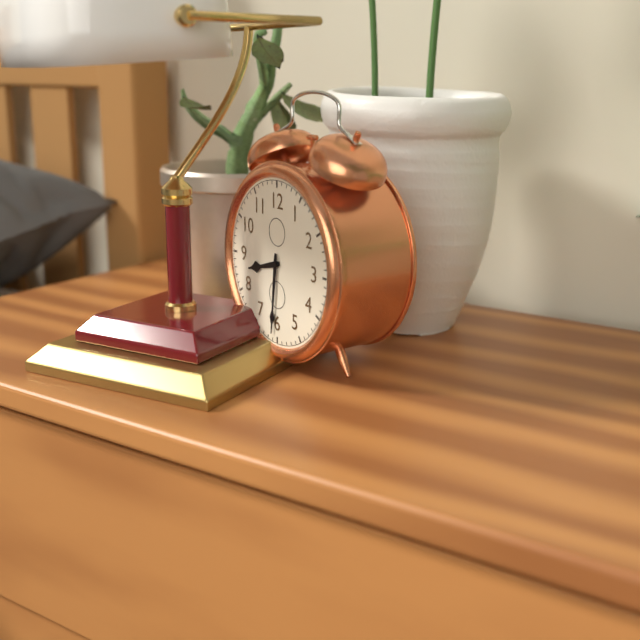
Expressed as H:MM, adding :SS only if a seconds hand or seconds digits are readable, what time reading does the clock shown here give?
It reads 8:31
